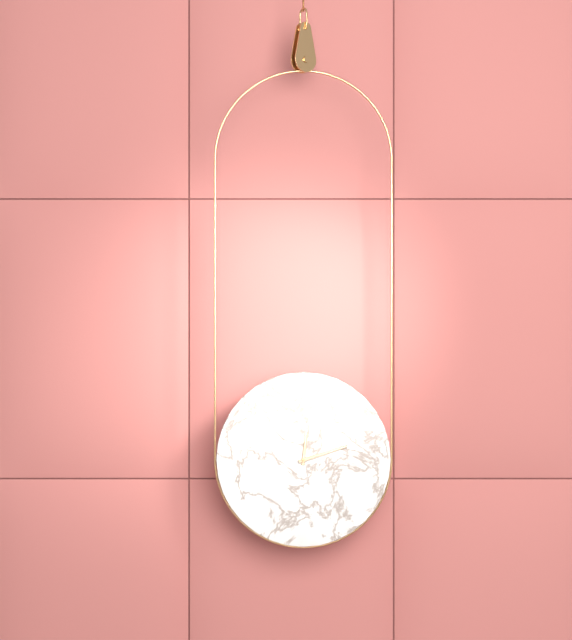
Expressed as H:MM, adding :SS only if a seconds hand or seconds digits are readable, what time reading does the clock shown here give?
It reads 12:12
